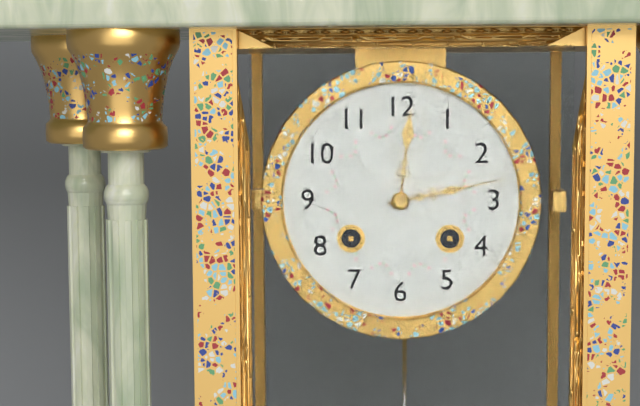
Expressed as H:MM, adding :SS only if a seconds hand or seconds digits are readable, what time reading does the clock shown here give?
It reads 12:13
